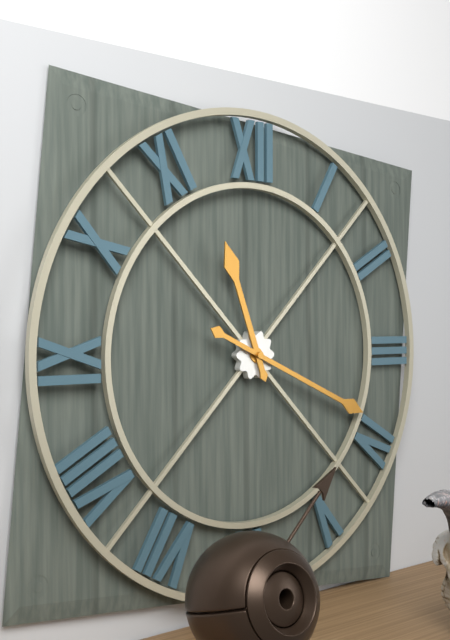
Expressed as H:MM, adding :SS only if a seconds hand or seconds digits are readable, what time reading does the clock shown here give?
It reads 11:19
